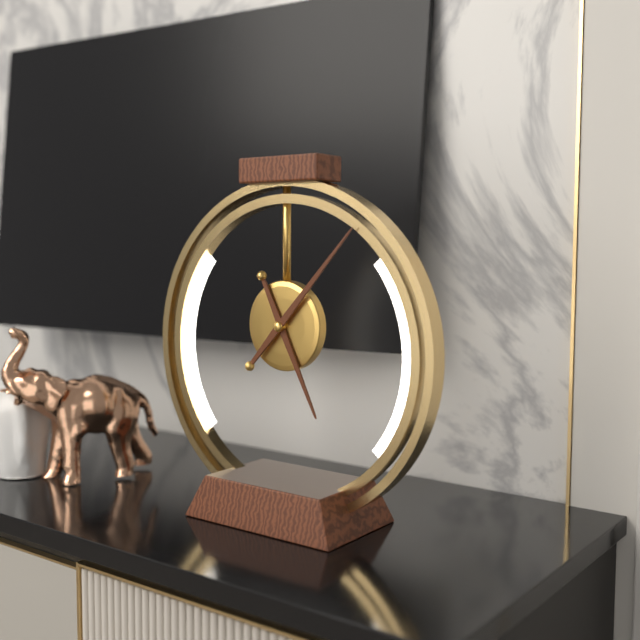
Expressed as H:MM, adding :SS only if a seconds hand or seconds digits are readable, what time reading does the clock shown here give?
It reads 5:07
